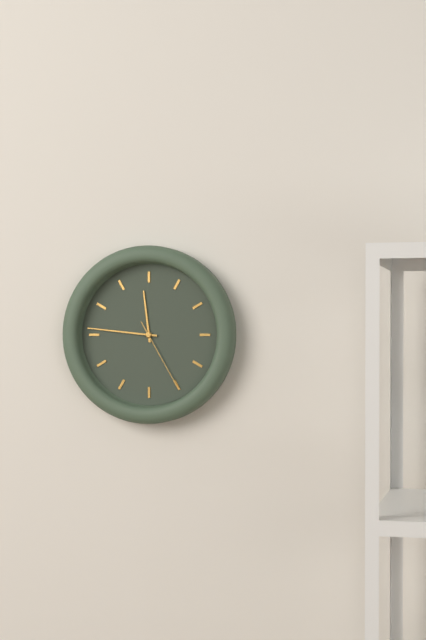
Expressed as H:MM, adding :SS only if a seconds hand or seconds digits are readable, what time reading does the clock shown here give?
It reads 11:46:25
